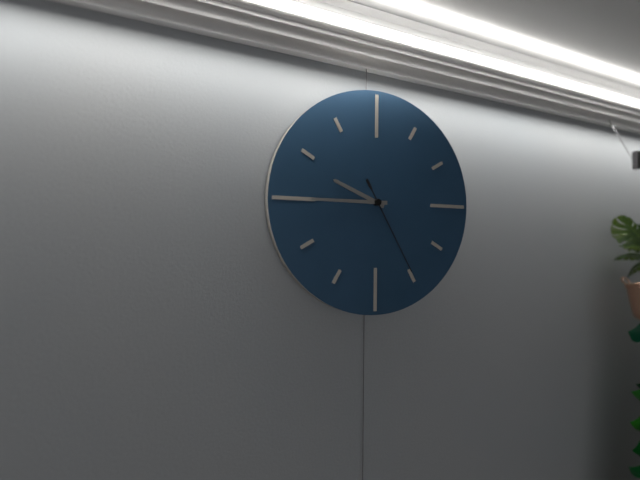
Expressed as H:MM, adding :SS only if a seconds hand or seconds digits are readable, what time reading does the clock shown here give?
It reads 9:45:25
